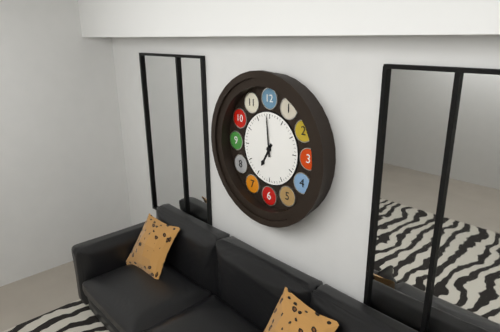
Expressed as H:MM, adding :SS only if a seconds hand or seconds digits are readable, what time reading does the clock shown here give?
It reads 6:59
